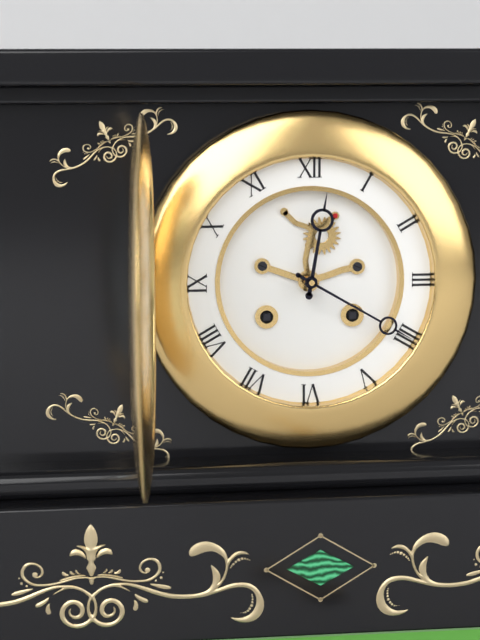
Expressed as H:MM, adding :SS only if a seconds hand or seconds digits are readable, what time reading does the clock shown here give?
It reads 12:20
